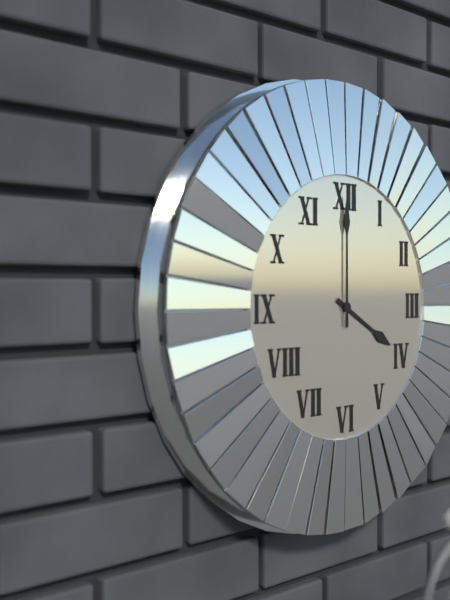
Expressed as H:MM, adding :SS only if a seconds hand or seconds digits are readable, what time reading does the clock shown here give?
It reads 4:00
